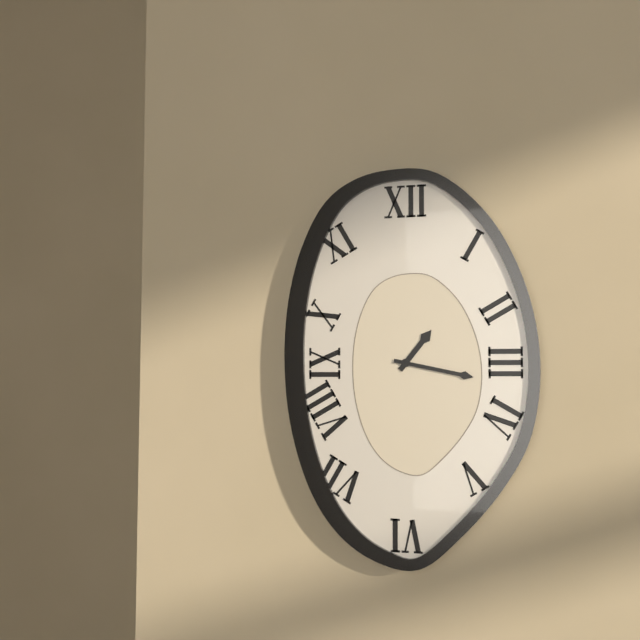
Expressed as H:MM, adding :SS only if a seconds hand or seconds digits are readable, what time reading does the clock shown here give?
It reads 1:17
